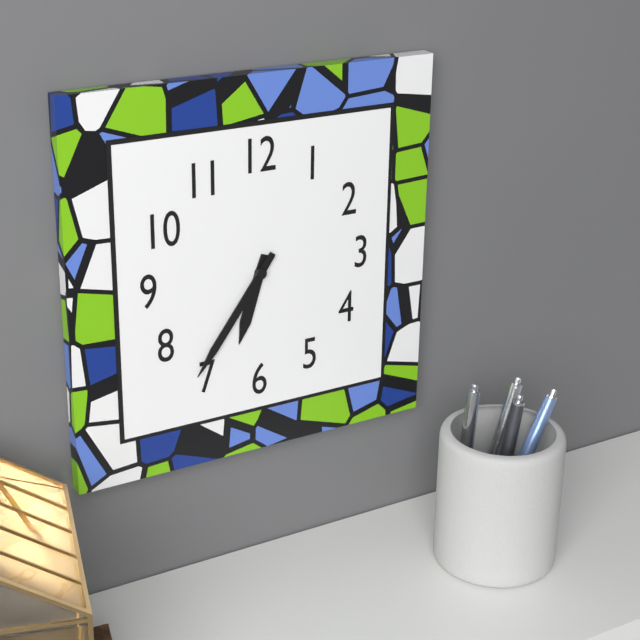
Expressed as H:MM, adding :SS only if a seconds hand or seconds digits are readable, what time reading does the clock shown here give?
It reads 6:36
